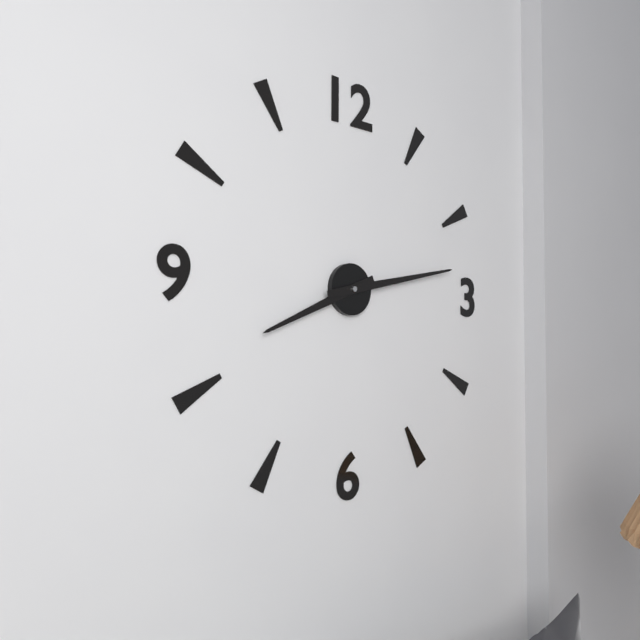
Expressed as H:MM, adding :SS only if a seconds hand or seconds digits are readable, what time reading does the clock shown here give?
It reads 8:13
